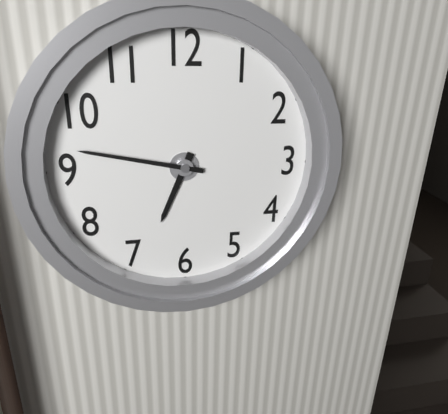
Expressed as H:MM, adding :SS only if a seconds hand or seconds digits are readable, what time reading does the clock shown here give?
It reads 6:47
